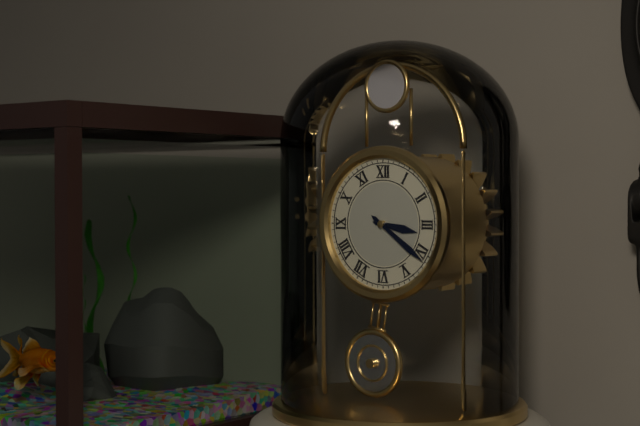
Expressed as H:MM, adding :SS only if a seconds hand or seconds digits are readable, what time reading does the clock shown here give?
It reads 3:21
